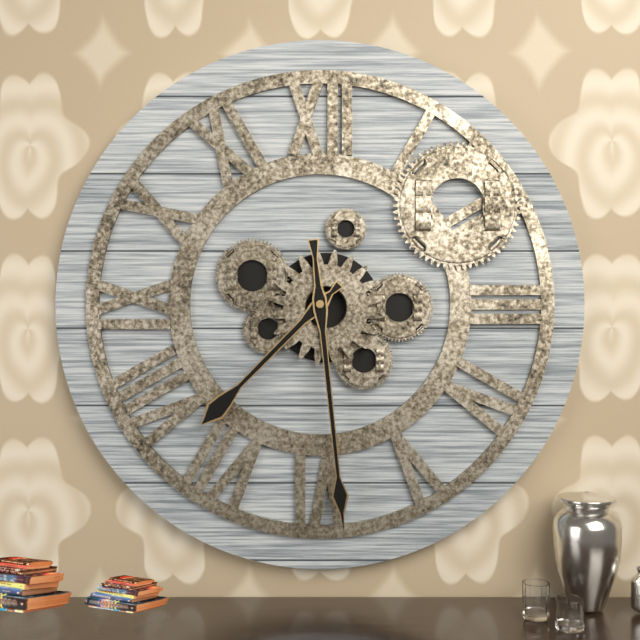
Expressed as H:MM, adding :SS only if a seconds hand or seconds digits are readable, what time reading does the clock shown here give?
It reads 7:29
